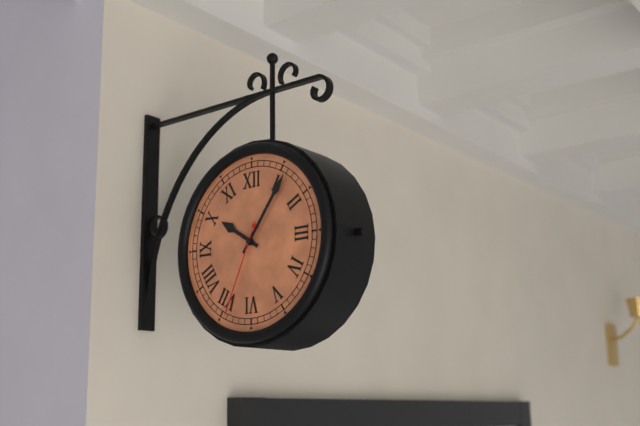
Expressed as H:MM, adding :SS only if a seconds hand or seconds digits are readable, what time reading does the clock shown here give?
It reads 10:06:34
